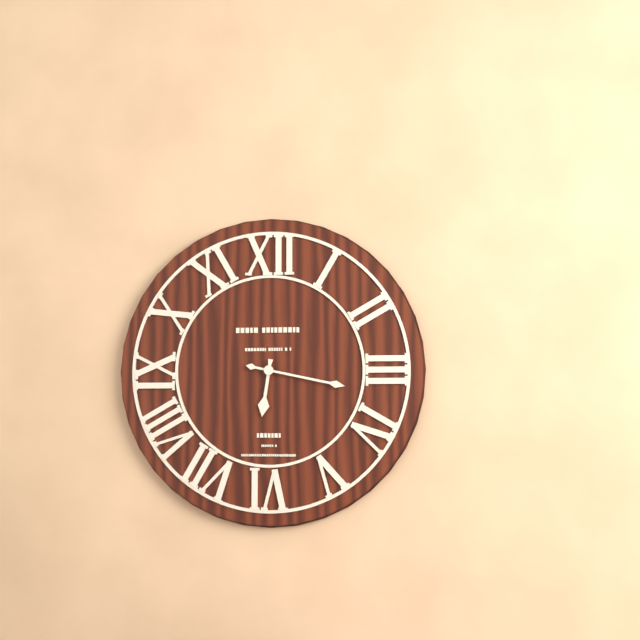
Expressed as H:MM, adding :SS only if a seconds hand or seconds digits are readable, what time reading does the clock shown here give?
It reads 6:17
